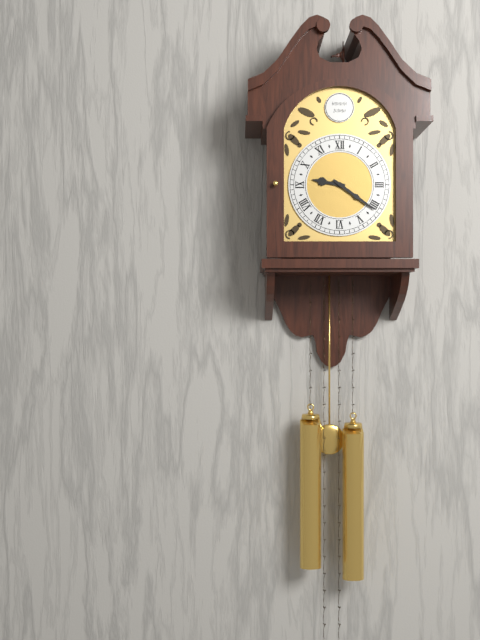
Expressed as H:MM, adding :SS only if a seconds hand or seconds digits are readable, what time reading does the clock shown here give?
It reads 9:21
